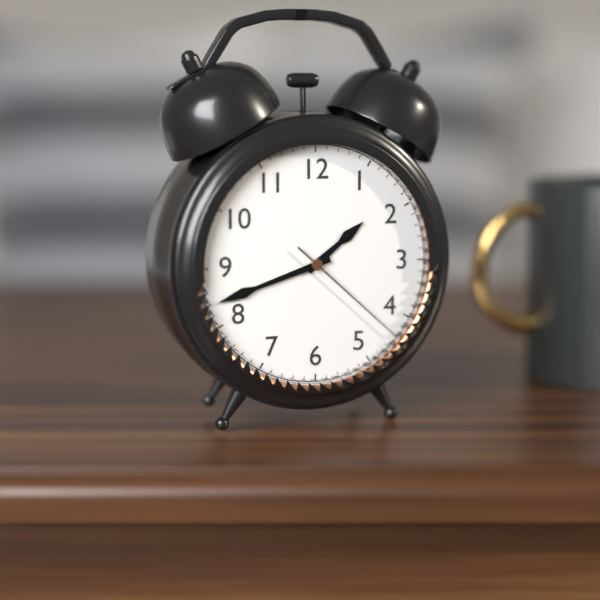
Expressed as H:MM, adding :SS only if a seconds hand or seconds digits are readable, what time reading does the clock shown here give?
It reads 1:42:22
